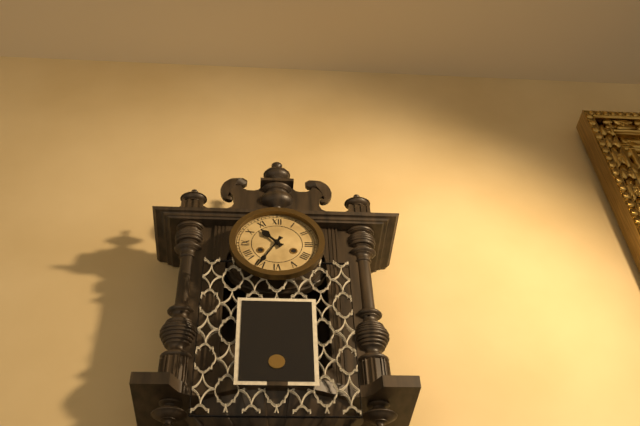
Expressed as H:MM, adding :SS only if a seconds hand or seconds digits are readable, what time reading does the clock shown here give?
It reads 10:35
